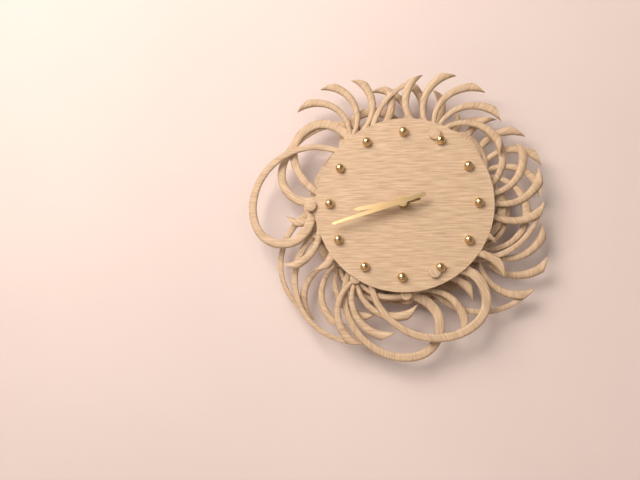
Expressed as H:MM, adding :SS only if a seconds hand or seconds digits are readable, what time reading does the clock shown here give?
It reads 8:42
